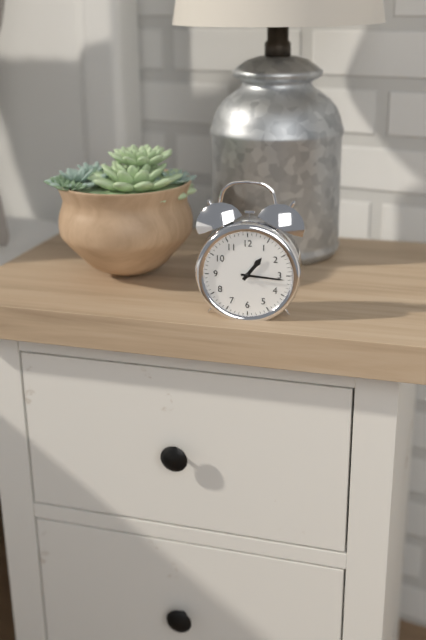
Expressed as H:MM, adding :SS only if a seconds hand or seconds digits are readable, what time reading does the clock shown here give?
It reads 1:16
